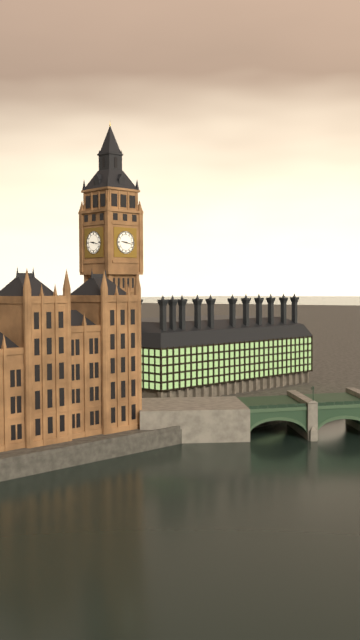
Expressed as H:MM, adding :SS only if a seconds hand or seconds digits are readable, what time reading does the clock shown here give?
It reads 9:17
